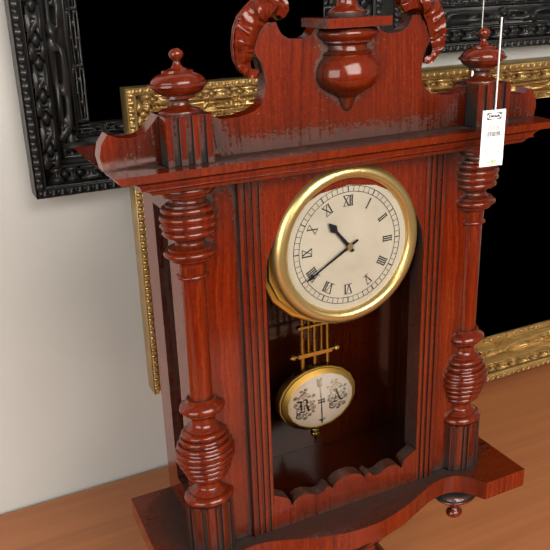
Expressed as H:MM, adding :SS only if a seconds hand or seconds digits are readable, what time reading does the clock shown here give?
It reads 10:40
